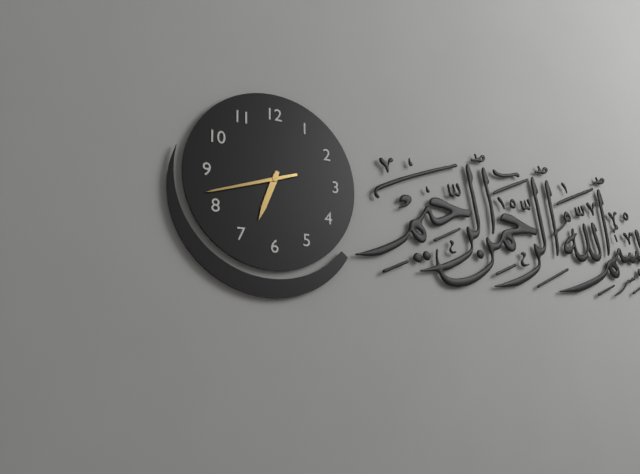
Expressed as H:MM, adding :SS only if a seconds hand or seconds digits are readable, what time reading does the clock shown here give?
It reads 6:42
